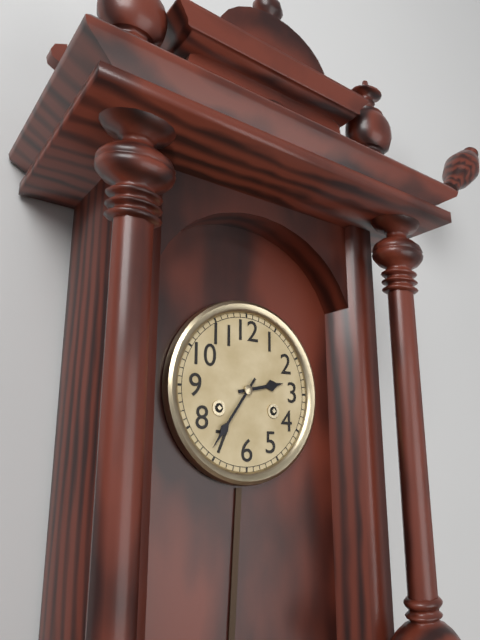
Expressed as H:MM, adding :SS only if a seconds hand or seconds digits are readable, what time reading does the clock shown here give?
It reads 2:36
